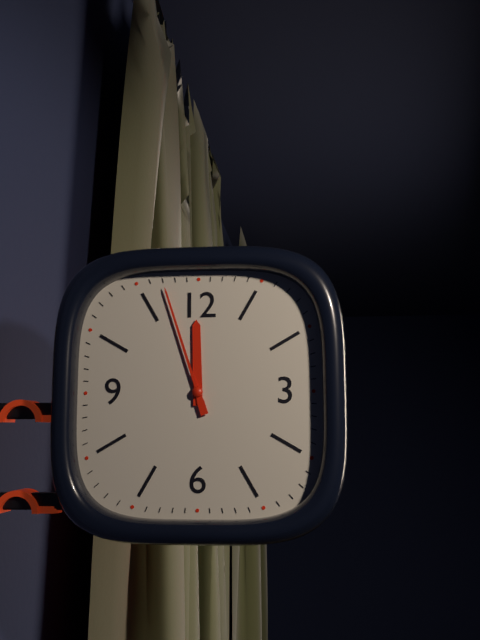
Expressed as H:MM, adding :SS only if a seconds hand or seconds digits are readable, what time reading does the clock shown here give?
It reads 11:57
